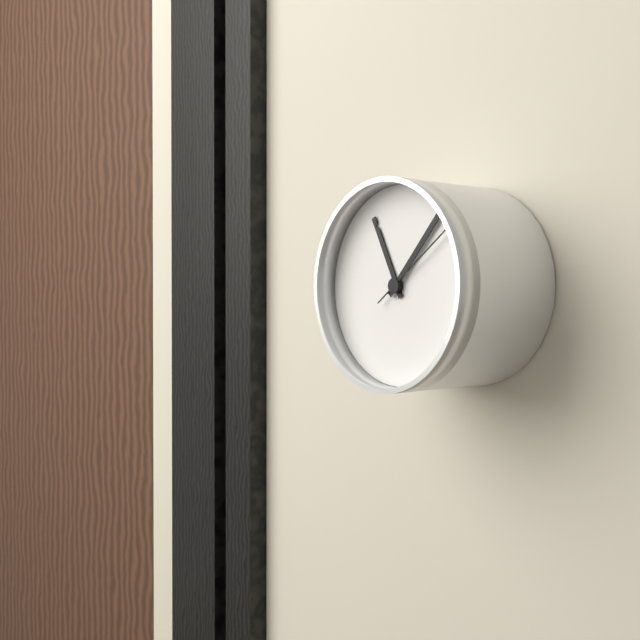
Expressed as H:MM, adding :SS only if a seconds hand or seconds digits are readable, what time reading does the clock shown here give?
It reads 11:07:09
